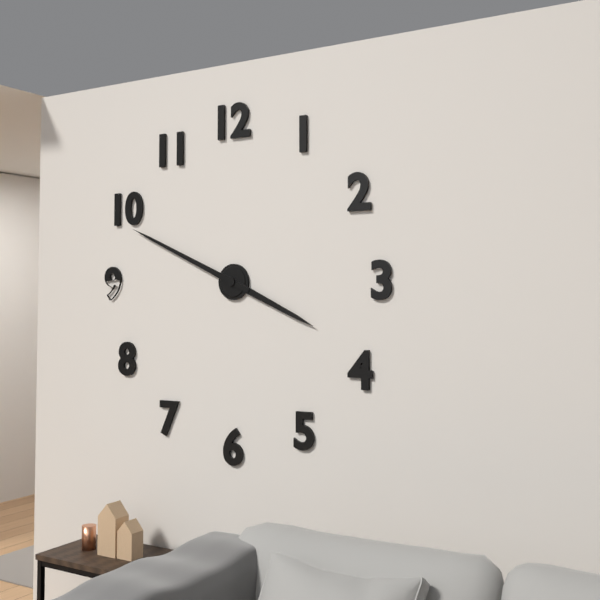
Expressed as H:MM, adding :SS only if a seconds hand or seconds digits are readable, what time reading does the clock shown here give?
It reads 3:49
